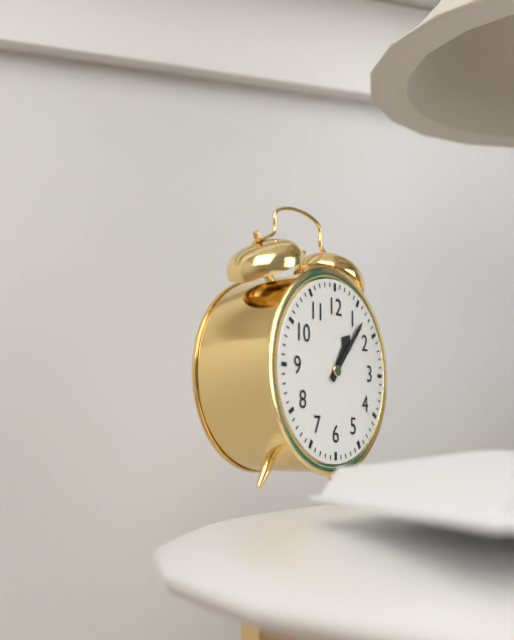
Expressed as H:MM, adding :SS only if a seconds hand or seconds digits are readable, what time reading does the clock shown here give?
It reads 1:07
